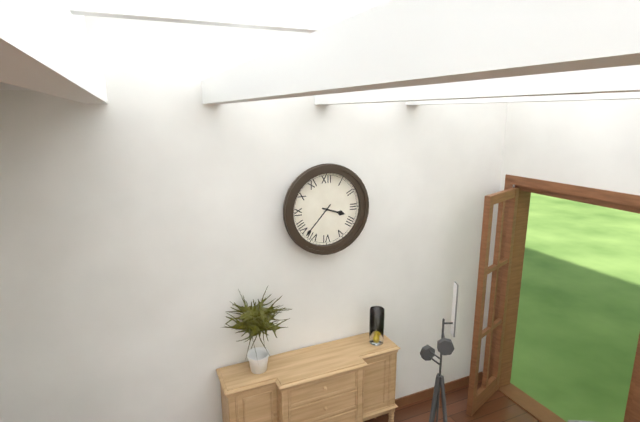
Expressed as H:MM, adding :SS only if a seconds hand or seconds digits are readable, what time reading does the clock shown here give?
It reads 3:37
